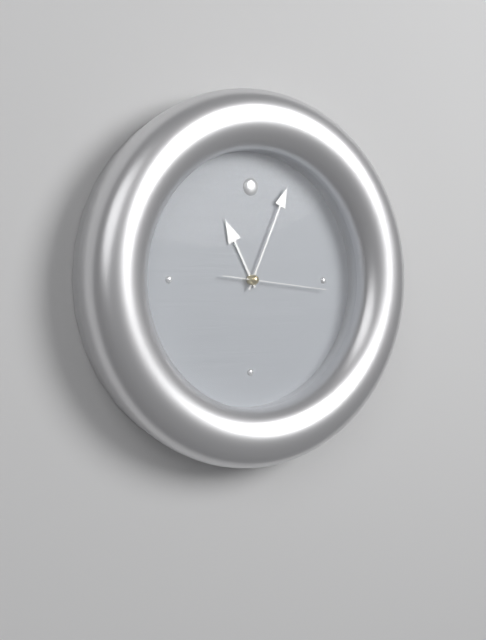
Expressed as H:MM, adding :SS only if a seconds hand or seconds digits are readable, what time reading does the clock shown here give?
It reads 11:04:16
